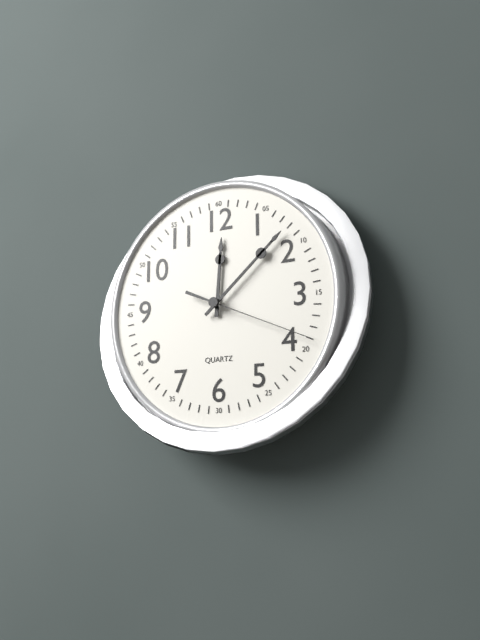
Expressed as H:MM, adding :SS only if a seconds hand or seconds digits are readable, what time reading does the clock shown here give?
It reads 12:08:19
